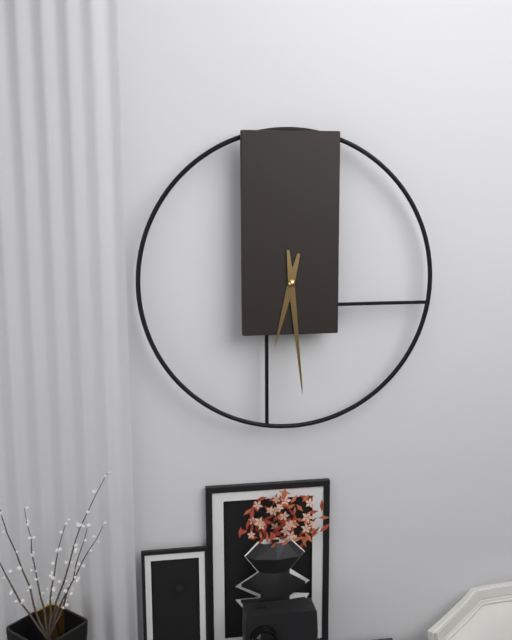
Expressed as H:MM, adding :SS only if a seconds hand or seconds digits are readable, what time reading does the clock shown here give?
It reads 6:29
